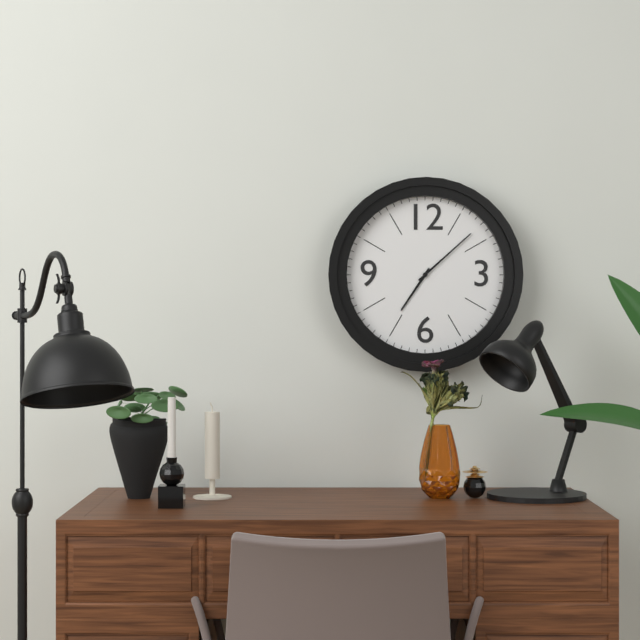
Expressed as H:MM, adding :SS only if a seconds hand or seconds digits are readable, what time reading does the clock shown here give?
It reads 7:08
